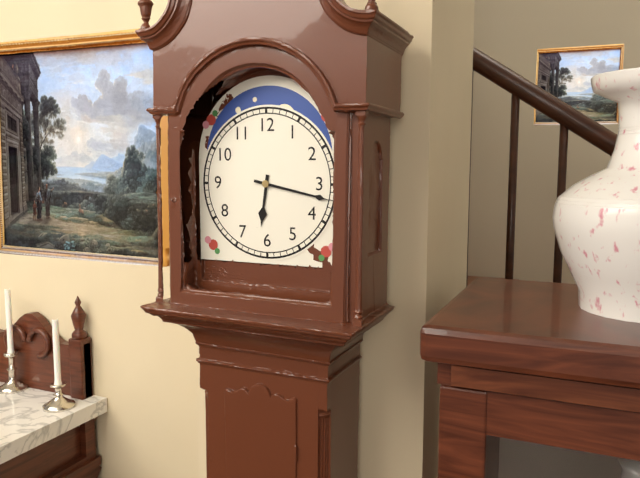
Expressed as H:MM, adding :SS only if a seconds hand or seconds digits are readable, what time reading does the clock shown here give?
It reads 6:17
